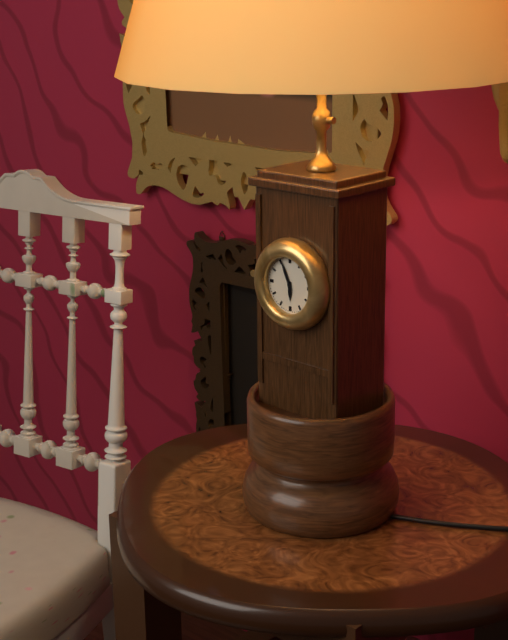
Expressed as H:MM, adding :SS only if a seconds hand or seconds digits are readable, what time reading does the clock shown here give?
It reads 5:56
